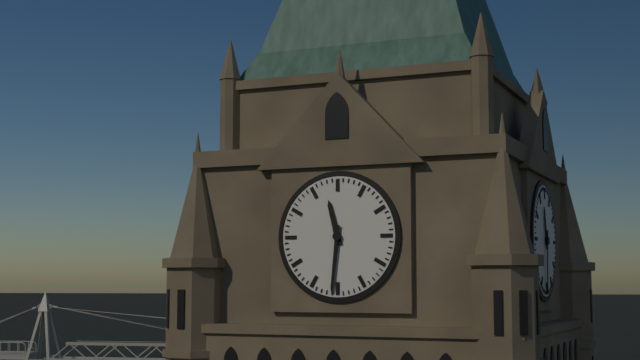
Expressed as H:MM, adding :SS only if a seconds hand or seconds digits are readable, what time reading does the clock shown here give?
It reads 11:31
